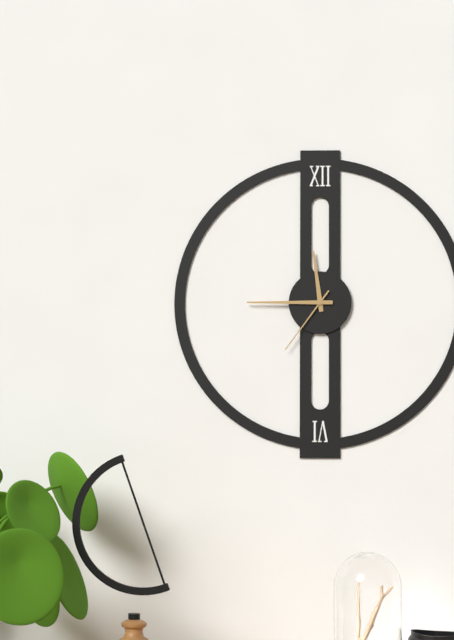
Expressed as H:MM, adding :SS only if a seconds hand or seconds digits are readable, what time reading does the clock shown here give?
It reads 11:45:36
